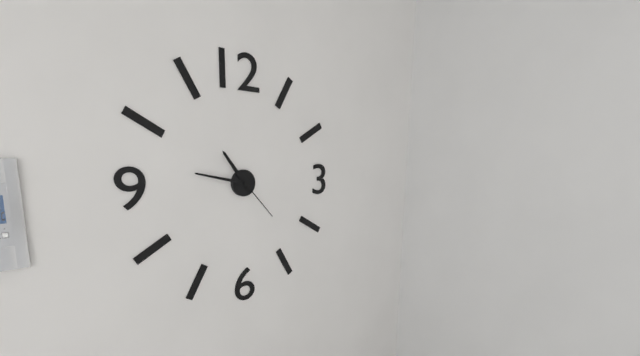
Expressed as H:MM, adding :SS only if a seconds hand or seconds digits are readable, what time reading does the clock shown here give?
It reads 10:47:23
